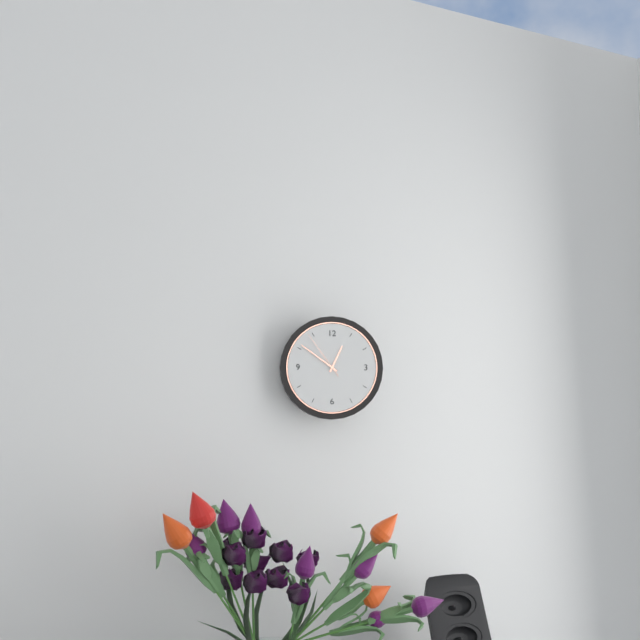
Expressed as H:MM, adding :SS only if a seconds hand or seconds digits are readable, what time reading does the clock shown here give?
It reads 12:51:54
